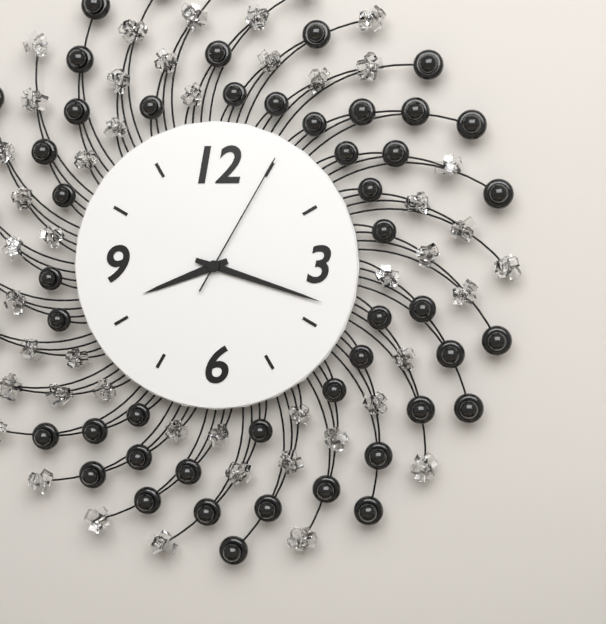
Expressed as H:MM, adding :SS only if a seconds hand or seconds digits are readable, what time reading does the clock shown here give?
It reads 8:18:05
